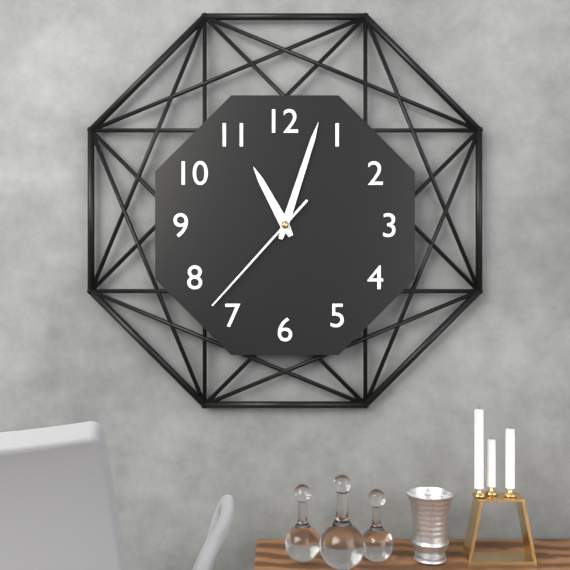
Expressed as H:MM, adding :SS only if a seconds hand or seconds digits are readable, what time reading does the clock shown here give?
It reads 11:03:37
